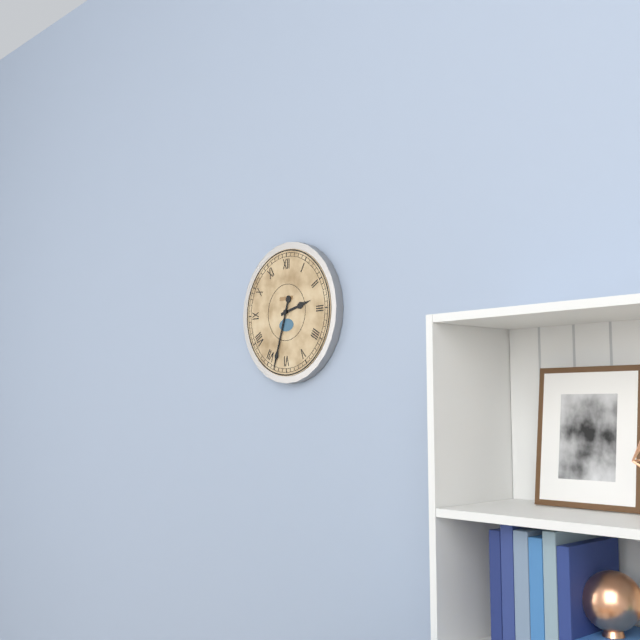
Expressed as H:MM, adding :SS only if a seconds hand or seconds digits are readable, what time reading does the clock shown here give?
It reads 2:33
